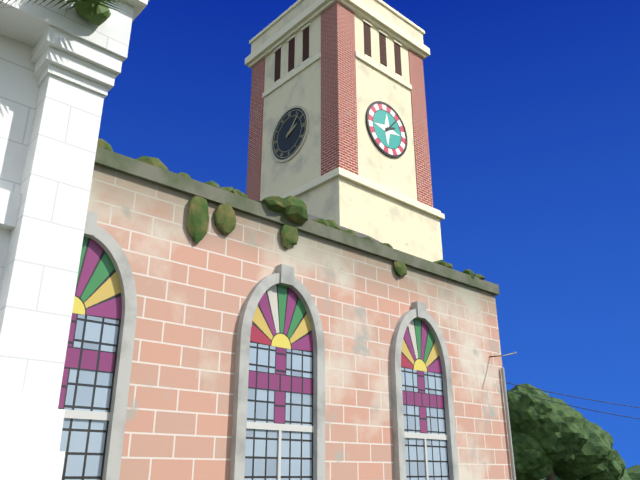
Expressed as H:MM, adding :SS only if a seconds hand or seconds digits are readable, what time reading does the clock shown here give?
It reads 2:07
